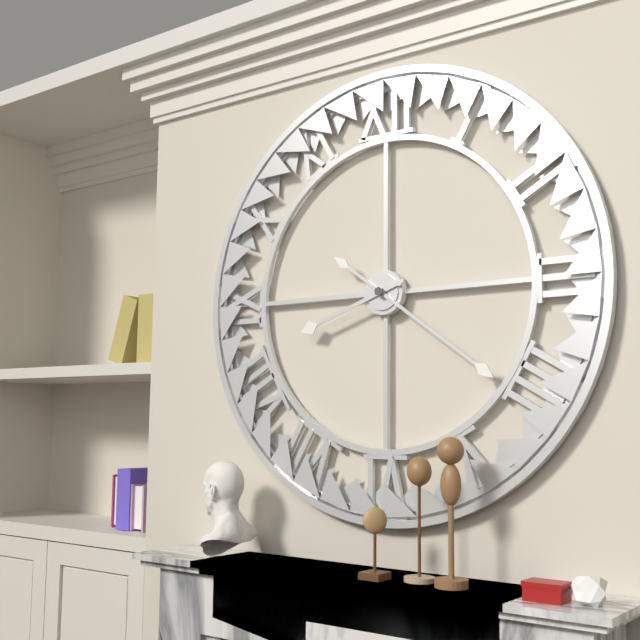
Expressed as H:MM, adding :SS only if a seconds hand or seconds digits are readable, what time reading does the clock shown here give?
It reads 8:21
